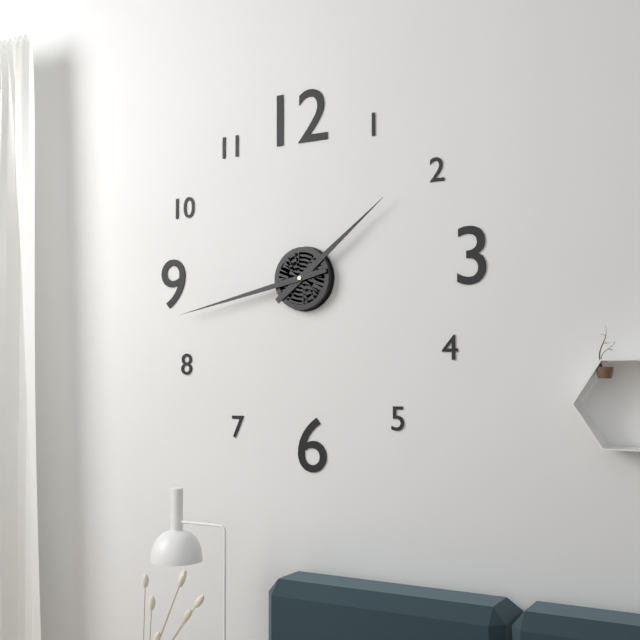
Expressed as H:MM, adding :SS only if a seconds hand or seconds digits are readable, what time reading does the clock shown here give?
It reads 1:43
